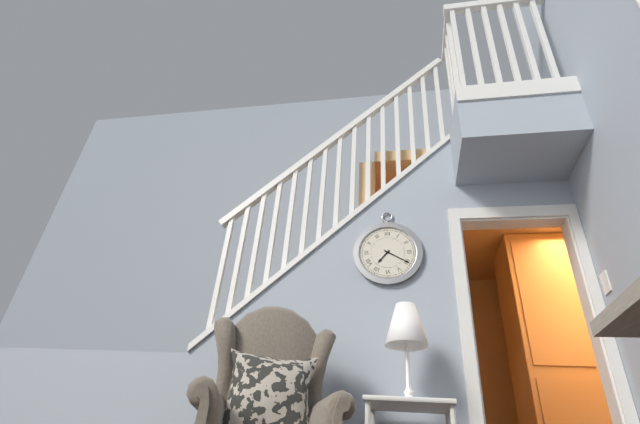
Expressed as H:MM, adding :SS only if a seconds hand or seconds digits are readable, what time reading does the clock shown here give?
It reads 7:20
